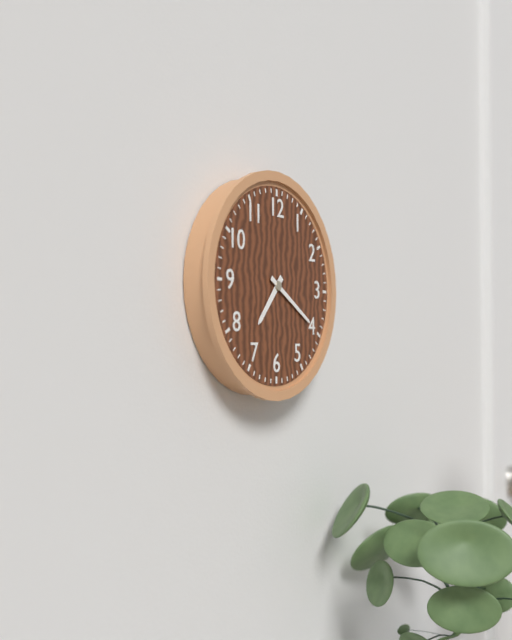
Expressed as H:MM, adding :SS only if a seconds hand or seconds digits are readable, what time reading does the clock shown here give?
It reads 7:20
